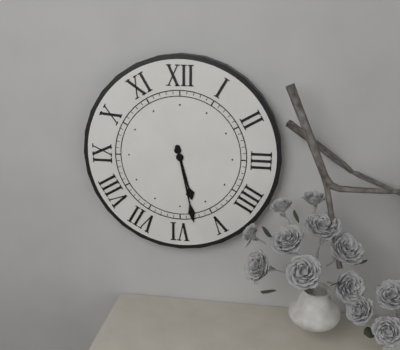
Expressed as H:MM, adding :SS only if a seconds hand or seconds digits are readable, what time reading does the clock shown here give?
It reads 5:28
